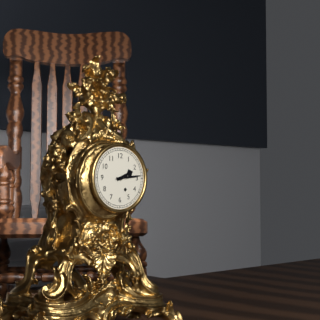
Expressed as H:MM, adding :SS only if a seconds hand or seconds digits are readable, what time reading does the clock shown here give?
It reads 2:14
